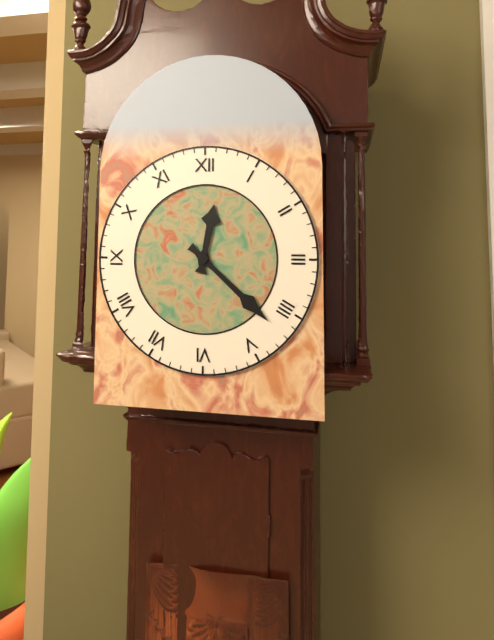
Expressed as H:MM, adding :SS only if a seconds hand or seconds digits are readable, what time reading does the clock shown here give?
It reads 12:22
